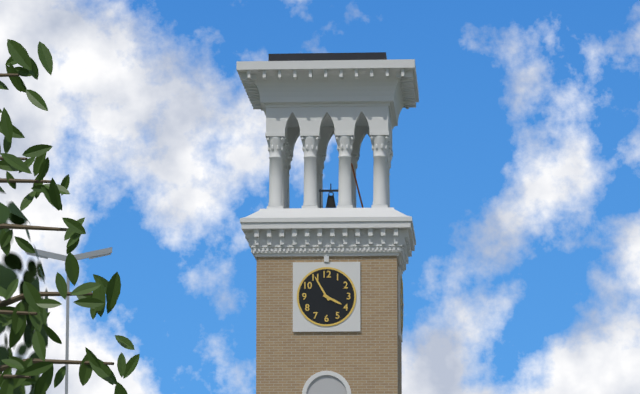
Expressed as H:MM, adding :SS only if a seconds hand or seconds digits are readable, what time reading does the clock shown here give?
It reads 3:55
